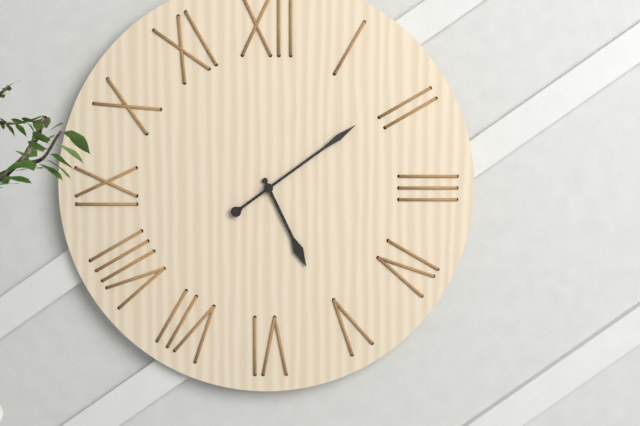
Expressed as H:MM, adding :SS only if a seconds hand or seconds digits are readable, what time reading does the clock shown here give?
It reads 5:09
